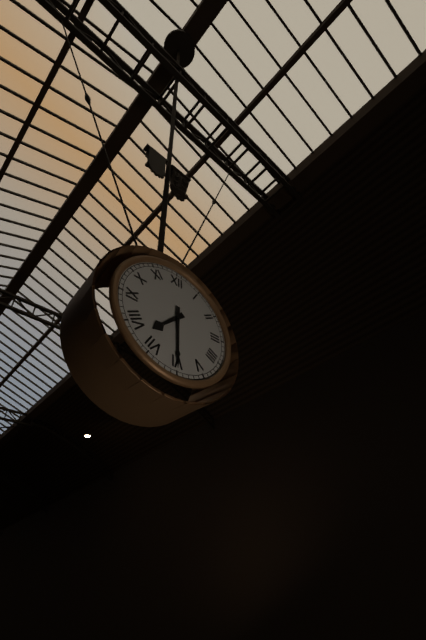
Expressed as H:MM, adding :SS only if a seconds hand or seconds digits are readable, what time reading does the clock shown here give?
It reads 7:30
